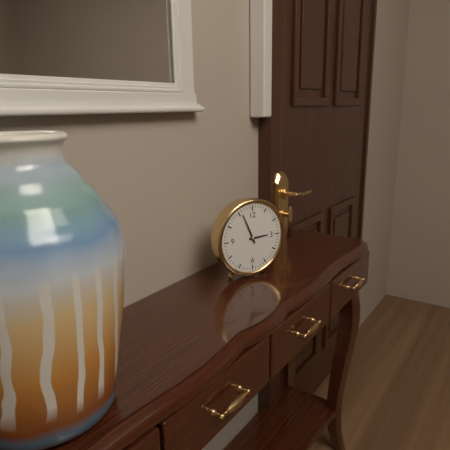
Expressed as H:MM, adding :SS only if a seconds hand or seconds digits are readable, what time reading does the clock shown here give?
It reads 2:56
